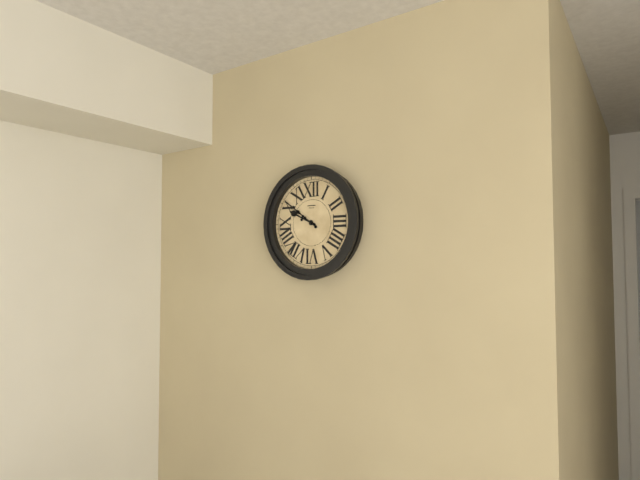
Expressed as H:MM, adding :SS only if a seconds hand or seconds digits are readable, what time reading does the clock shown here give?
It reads 9:51
